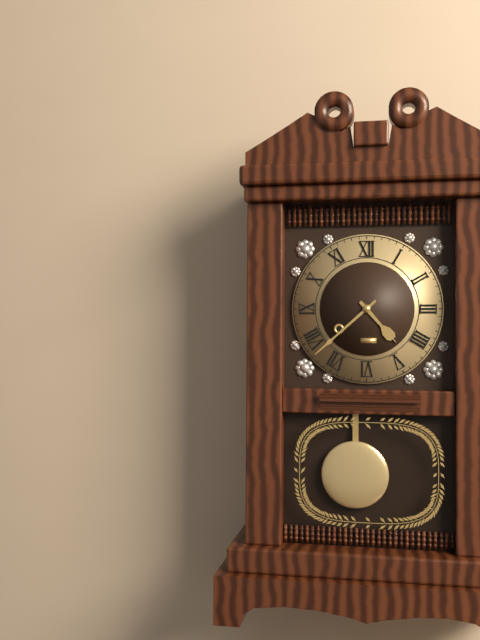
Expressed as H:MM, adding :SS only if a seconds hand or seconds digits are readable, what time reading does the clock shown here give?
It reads 4:38
